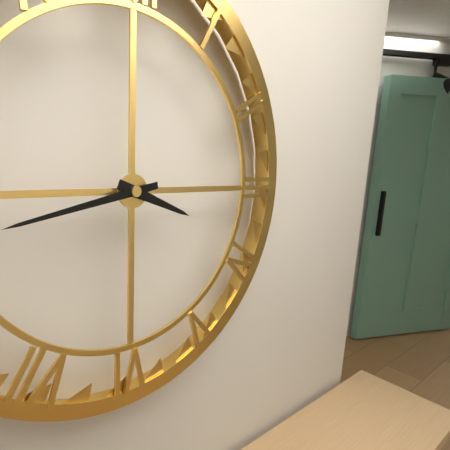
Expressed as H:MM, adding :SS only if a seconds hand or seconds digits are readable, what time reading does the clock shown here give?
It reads 3:43
